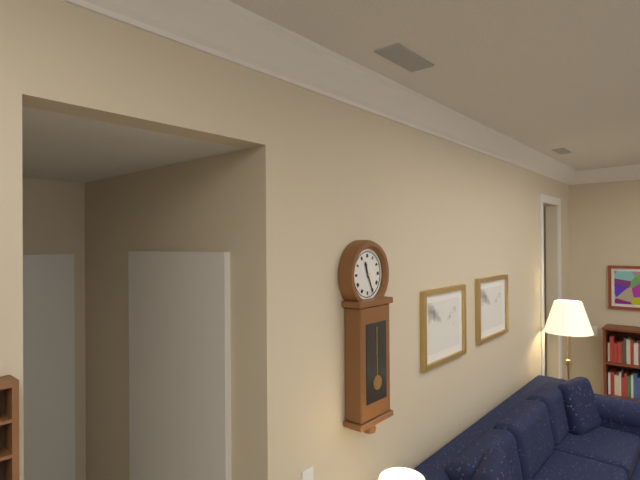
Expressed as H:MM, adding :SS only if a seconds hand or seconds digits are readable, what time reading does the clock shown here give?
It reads 11:26
